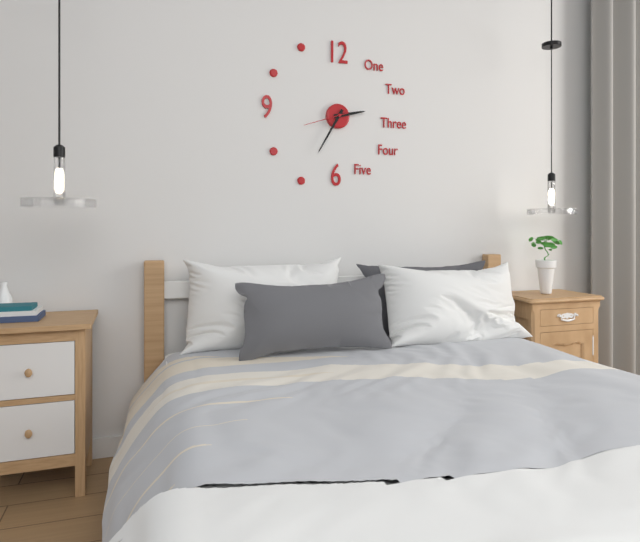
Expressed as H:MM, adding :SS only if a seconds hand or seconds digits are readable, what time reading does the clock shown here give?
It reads 2:35
